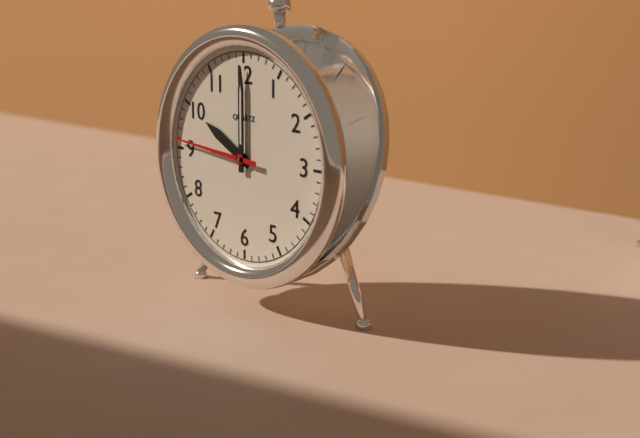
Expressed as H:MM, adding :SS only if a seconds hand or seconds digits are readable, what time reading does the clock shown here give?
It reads 10:00:46
